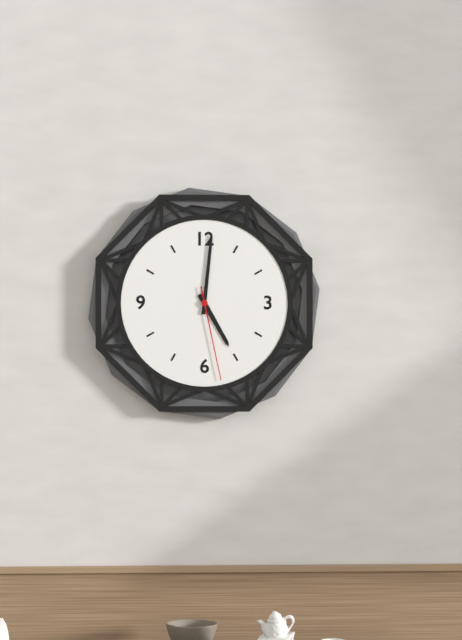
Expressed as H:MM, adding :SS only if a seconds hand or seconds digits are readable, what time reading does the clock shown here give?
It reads 5:01:28
